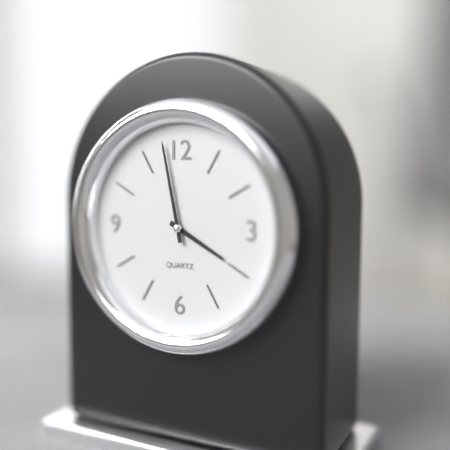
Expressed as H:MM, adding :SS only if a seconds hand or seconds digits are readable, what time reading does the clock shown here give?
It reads 3:58
